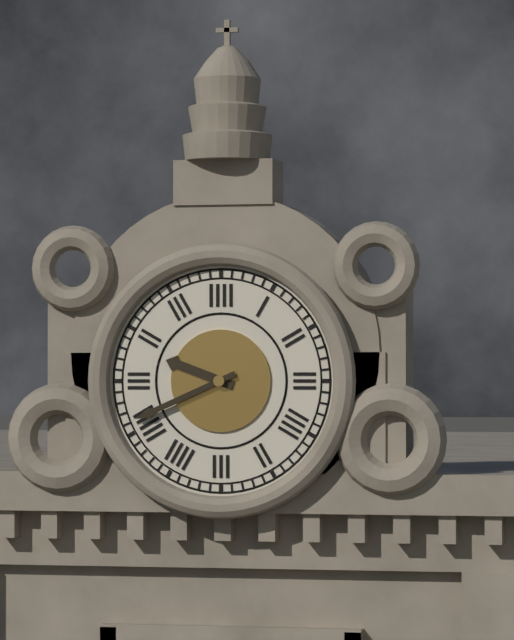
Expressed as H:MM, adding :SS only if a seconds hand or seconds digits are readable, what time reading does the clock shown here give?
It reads 9:41
